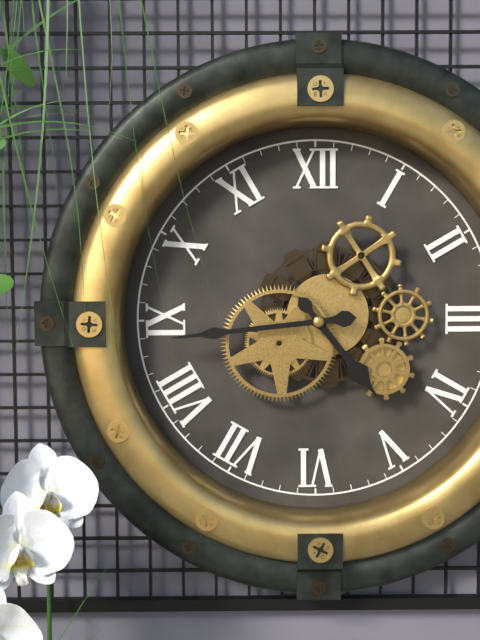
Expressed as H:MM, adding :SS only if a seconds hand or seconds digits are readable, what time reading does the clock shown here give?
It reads 4:44
